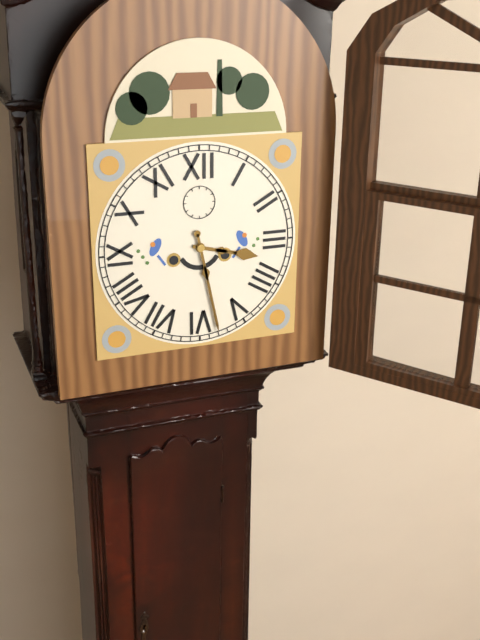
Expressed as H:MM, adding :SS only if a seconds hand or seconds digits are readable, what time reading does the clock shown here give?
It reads 3:28
